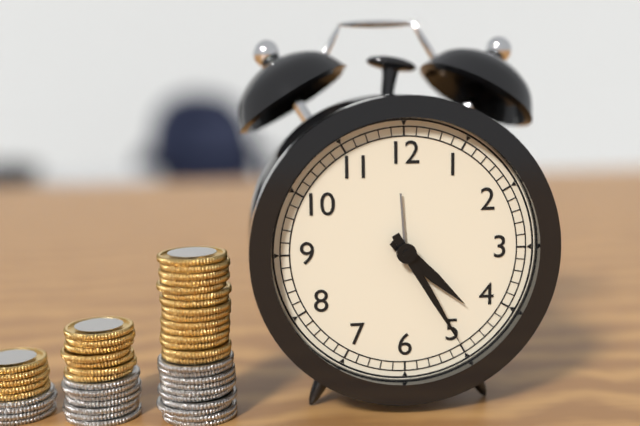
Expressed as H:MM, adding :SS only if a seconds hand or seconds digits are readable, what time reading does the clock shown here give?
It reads 4:25
